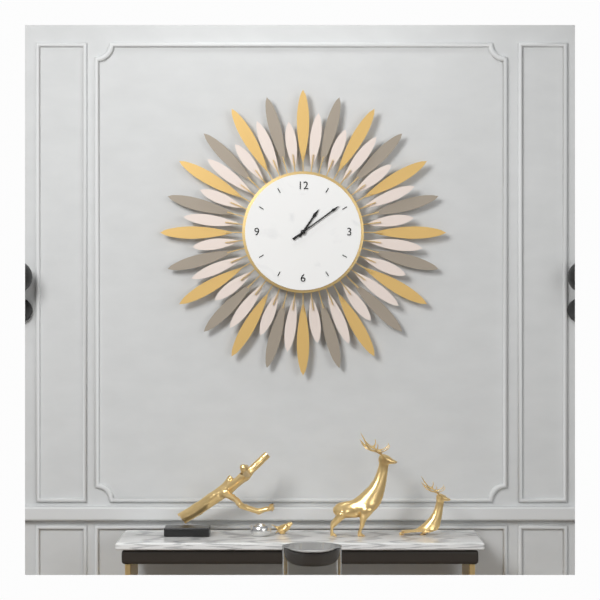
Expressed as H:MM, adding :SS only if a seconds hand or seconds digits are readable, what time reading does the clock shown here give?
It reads 1:09
